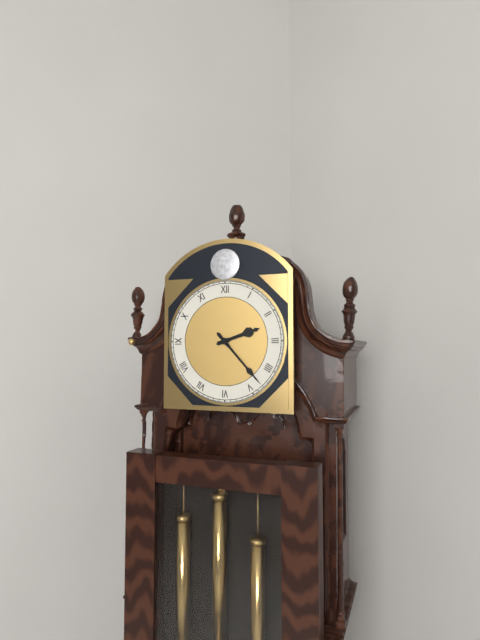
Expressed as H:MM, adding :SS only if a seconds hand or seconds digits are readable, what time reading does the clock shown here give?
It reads 2:23
